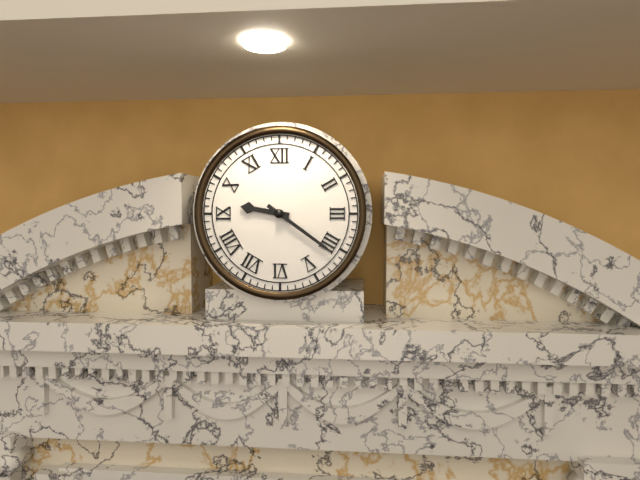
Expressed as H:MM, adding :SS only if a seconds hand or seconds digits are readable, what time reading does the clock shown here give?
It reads 9:21
